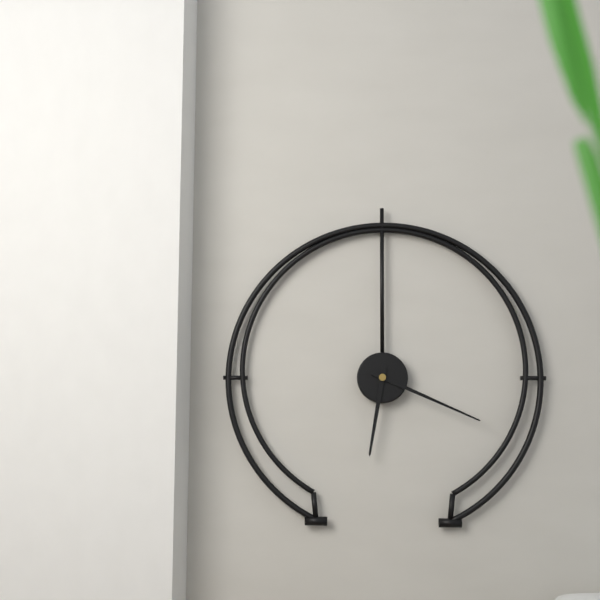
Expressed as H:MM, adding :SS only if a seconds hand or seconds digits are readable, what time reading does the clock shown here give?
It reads 6:19
